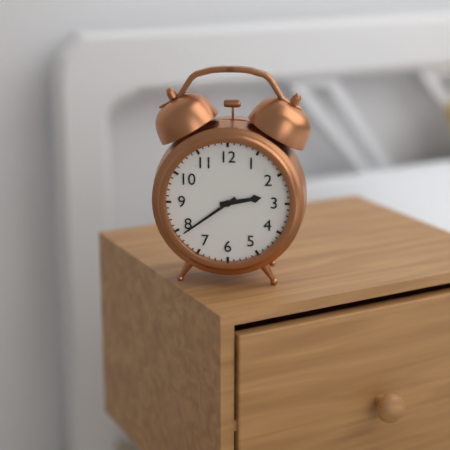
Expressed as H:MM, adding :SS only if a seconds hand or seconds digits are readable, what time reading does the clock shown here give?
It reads 2:39
